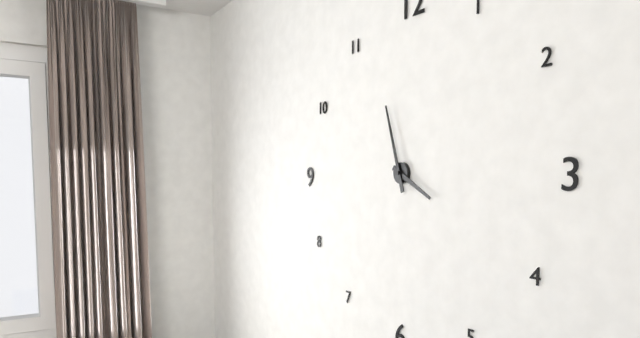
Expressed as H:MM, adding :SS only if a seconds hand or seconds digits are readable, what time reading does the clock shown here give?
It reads 3:57
